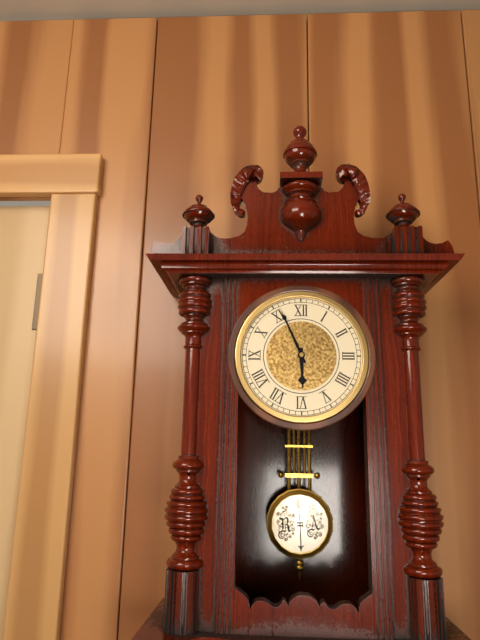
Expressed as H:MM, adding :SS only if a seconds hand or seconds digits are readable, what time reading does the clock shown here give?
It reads 5:56
